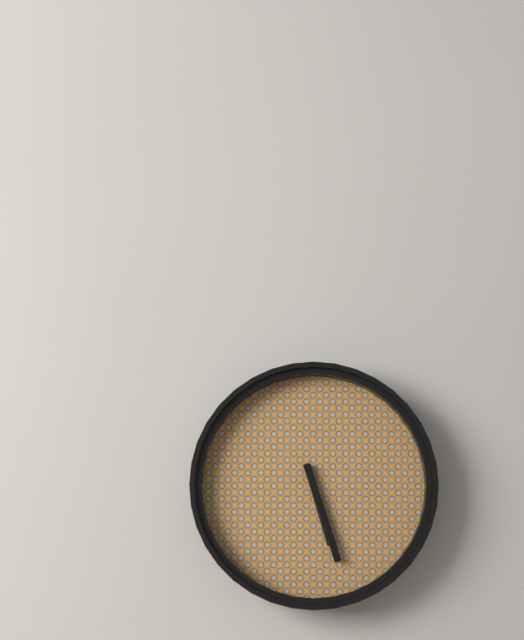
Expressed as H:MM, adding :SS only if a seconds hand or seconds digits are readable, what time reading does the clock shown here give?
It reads 5:27
